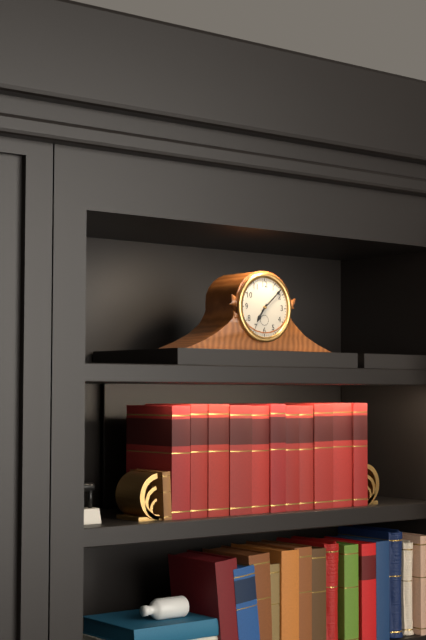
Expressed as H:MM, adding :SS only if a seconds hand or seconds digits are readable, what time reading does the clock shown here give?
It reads 7:08
